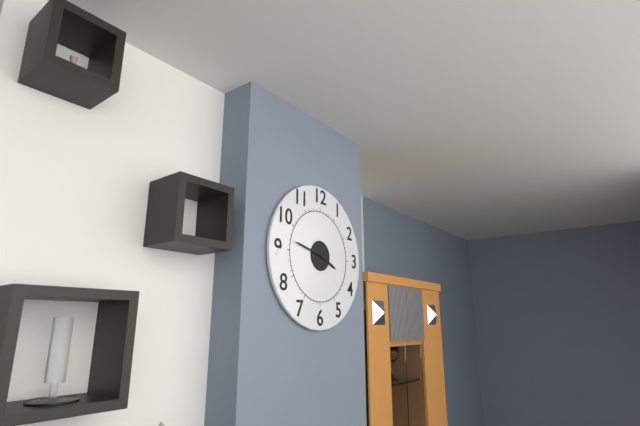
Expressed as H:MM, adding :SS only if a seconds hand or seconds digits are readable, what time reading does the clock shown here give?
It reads 3:47
